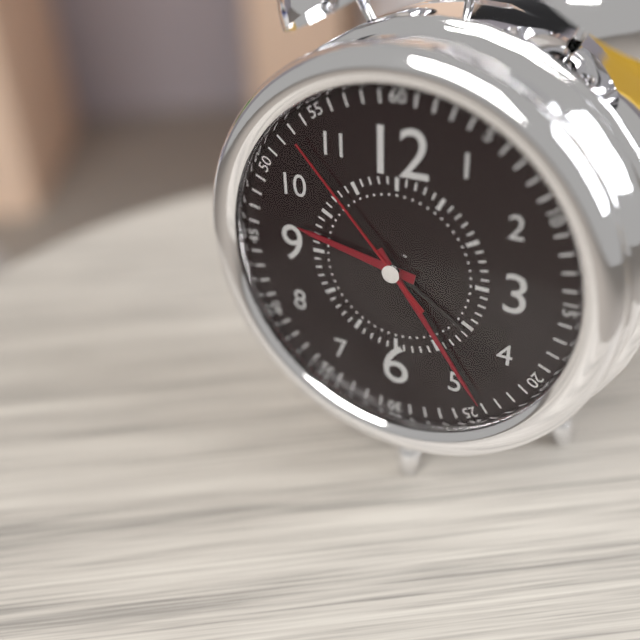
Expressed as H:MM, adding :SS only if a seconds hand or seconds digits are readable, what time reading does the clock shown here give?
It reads 9:24:53
